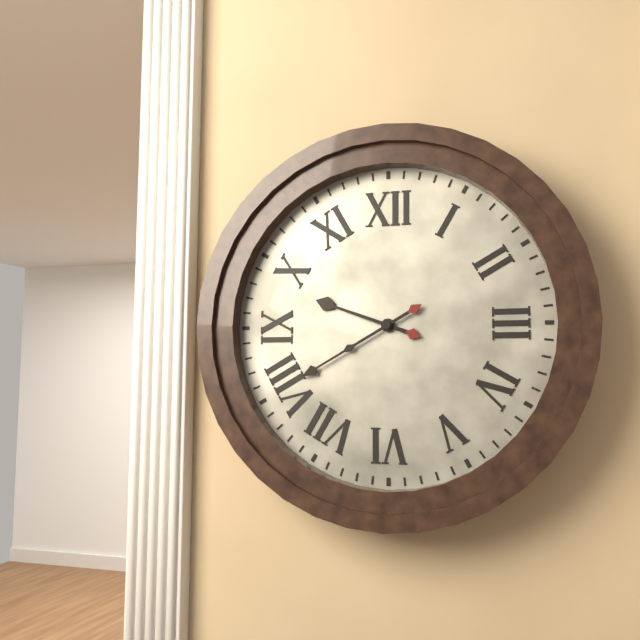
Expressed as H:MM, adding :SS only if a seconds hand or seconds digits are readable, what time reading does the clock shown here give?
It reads 9:40
